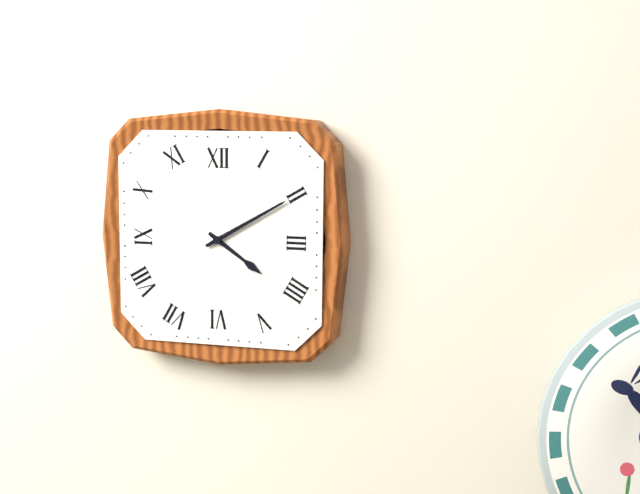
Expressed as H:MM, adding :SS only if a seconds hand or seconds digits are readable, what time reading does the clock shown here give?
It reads 4:10
